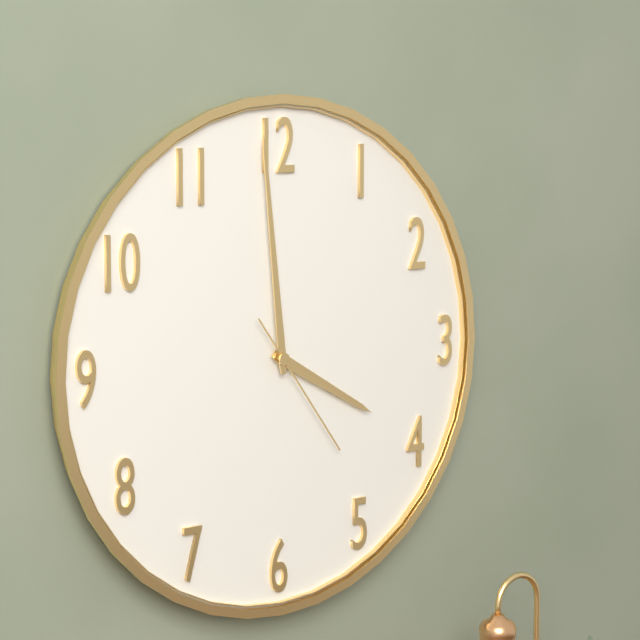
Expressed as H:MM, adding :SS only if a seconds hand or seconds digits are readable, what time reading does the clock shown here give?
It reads 3:59:24
